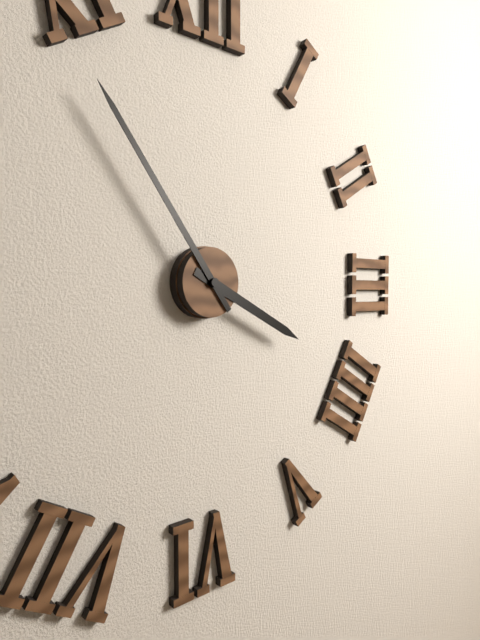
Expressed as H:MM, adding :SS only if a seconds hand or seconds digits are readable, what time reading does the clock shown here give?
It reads 3:54
